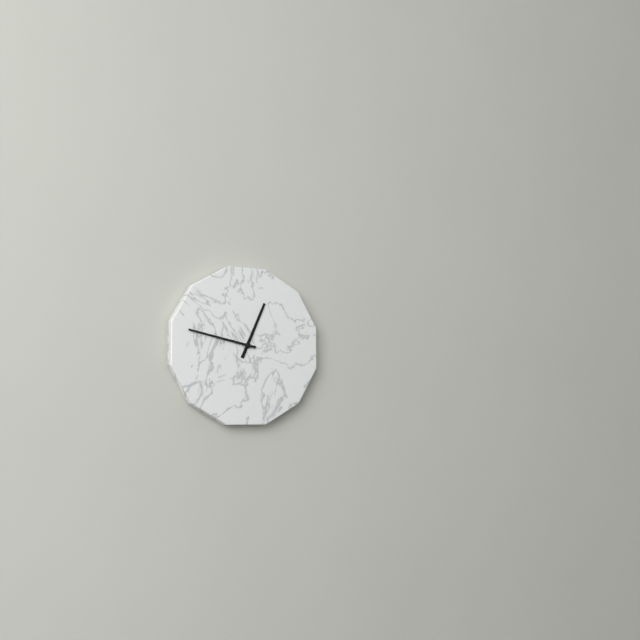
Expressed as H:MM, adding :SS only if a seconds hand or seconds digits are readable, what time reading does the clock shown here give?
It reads 12:47
